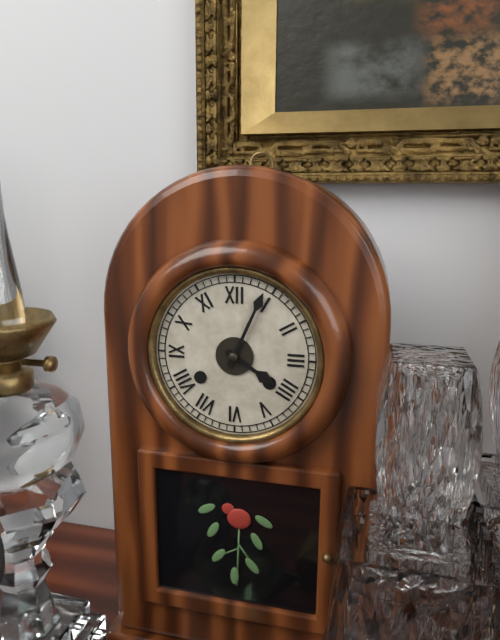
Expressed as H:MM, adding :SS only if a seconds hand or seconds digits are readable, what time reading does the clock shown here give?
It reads 4:04
